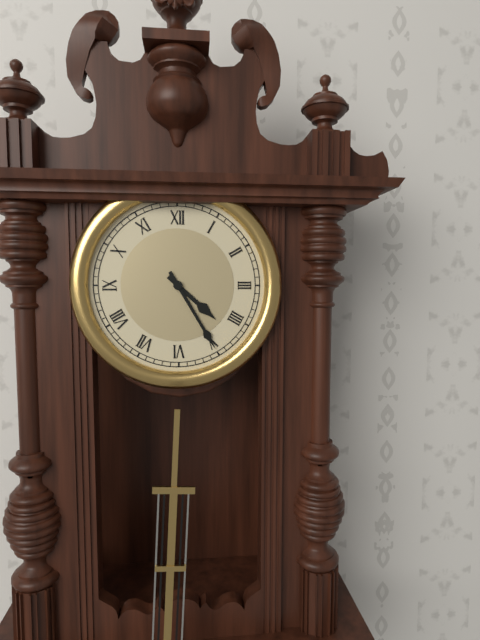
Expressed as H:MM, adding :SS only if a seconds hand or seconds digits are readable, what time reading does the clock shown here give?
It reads 4:25
